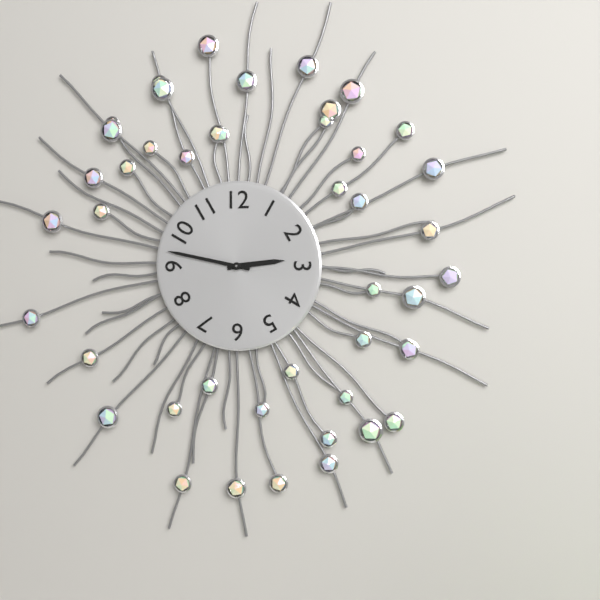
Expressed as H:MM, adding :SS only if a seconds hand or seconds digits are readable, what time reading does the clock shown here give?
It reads 2:47
